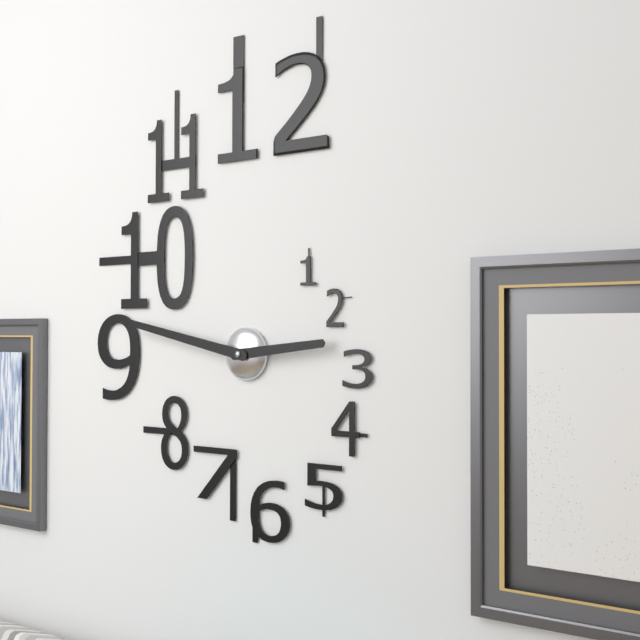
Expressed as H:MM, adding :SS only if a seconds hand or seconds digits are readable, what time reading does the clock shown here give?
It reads 2:47
